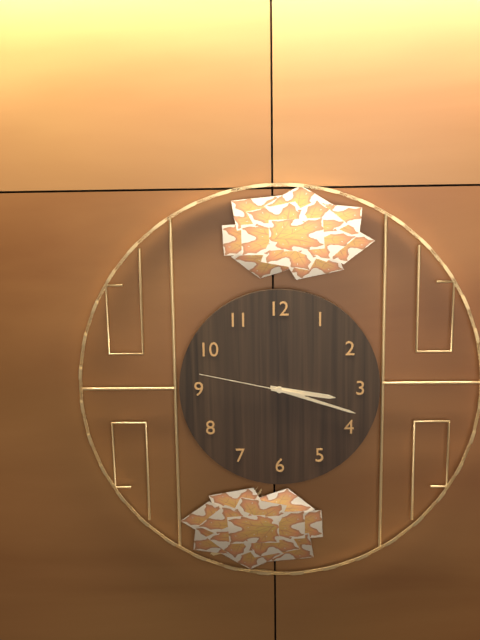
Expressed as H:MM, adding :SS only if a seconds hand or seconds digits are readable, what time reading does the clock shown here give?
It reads 3:18:47
